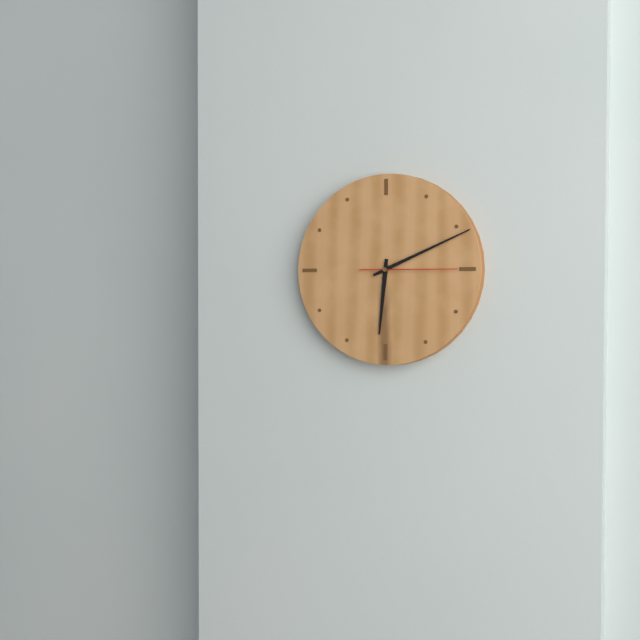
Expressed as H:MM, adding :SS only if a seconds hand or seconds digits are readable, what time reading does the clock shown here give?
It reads 6:11:15
